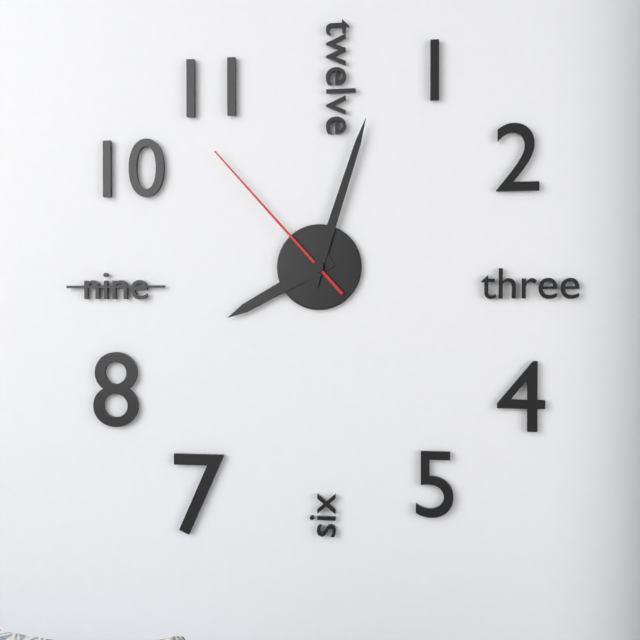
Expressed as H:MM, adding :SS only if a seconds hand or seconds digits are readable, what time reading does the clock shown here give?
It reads 8:03:53
